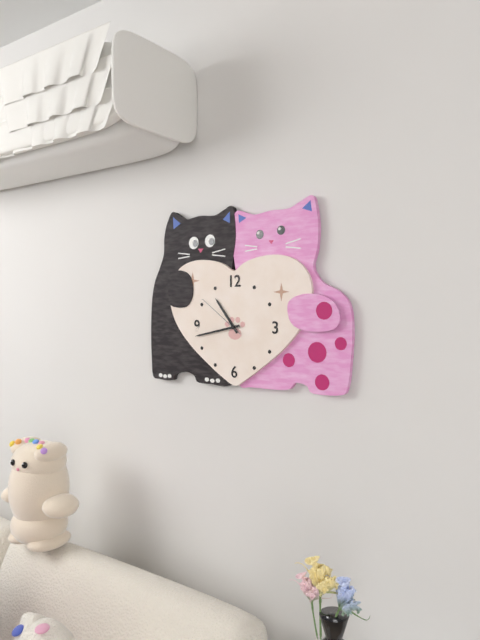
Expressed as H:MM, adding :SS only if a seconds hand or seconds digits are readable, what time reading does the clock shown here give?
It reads 10:43:51
